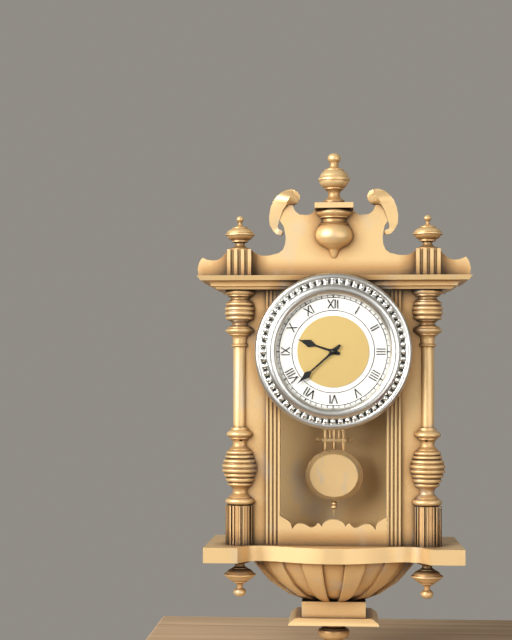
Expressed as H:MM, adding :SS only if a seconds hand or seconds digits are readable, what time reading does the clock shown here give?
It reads 9:38
